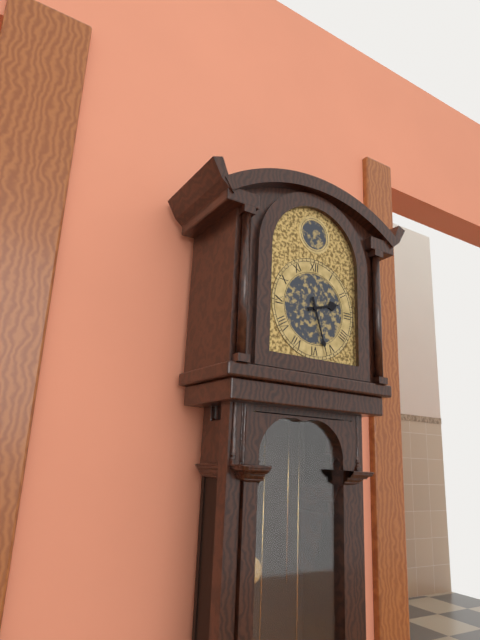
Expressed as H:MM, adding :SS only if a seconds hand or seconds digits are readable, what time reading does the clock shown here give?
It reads 2:27
